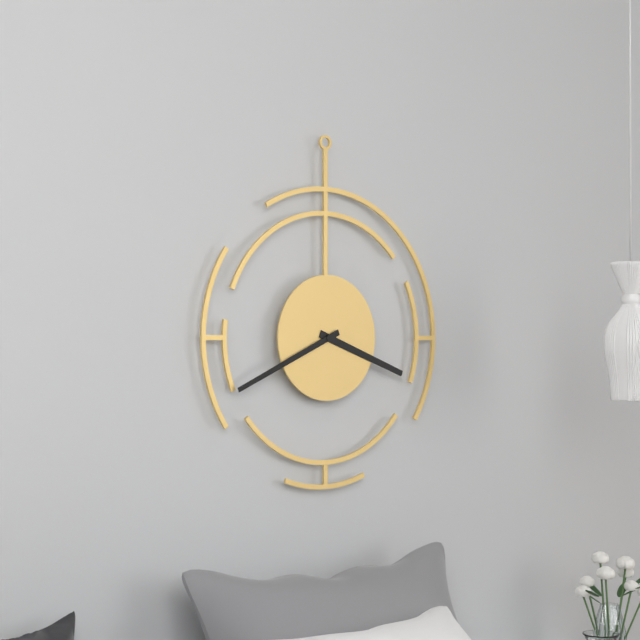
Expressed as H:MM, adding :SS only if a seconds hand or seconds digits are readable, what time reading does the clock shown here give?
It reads 3:41
